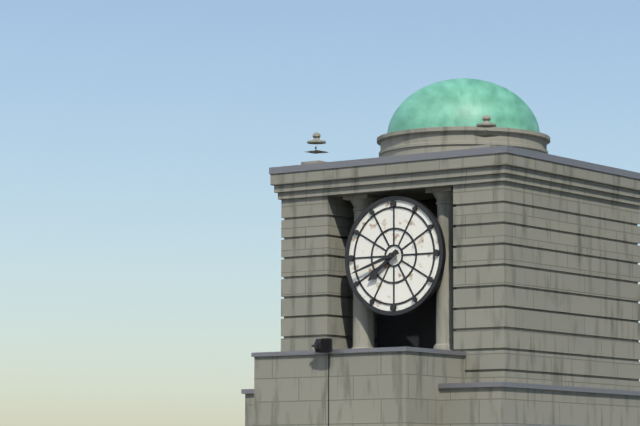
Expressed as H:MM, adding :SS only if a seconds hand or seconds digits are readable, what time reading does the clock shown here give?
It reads 7:42
